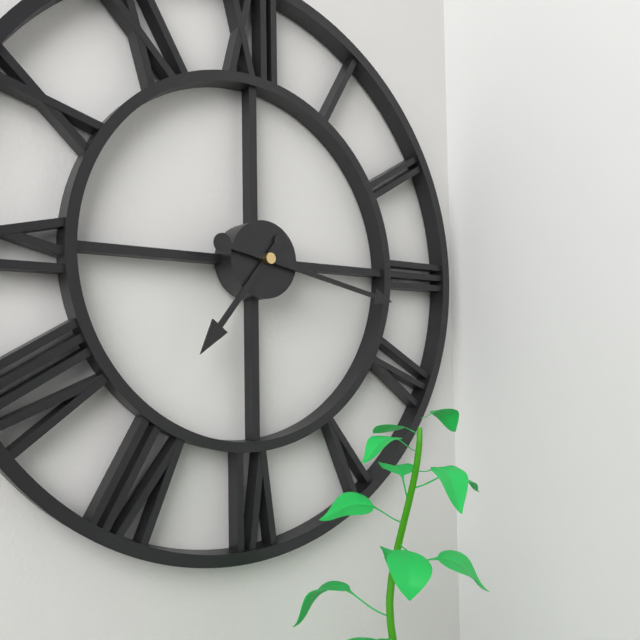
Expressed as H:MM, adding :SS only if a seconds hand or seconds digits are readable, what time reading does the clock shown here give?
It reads 7:17
